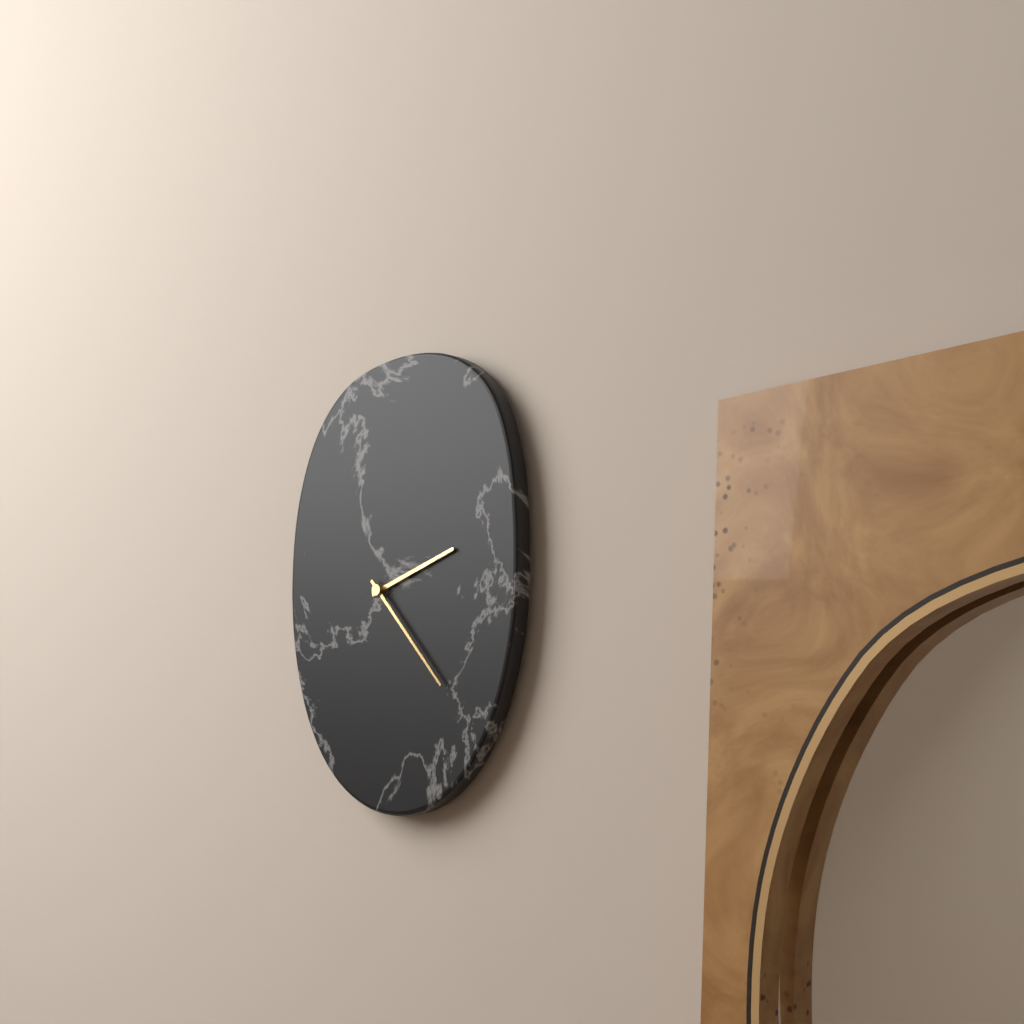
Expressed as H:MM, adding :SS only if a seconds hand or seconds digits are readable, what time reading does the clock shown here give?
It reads 2:23
